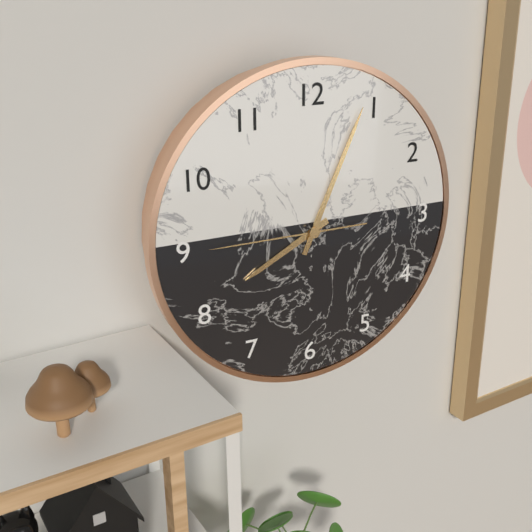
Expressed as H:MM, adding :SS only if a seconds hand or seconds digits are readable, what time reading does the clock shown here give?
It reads 8:04:45
